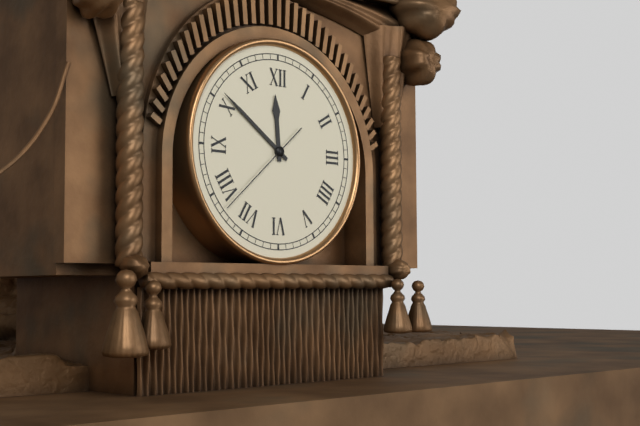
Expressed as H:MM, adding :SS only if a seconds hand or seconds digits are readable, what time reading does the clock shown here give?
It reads 11:51:38
